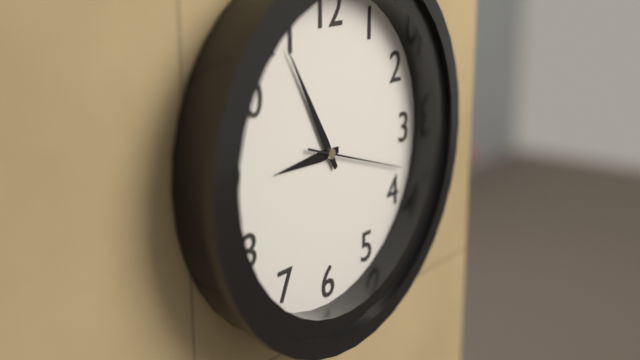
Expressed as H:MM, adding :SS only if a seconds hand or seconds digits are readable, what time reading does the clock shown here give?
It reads 8:55:18
